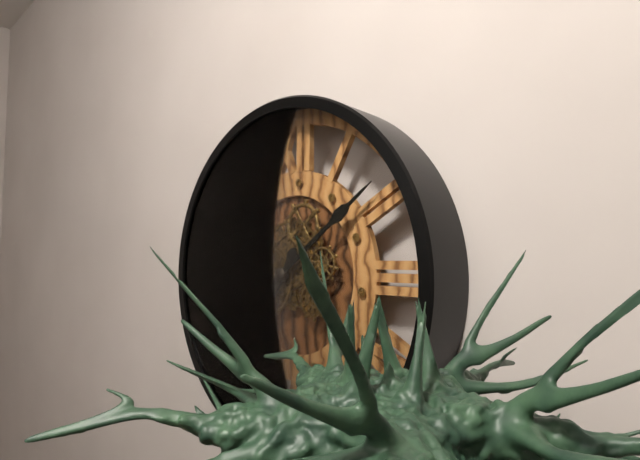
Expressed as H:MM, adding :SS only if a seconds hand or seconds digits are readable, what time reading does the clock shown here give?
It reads 7:09
